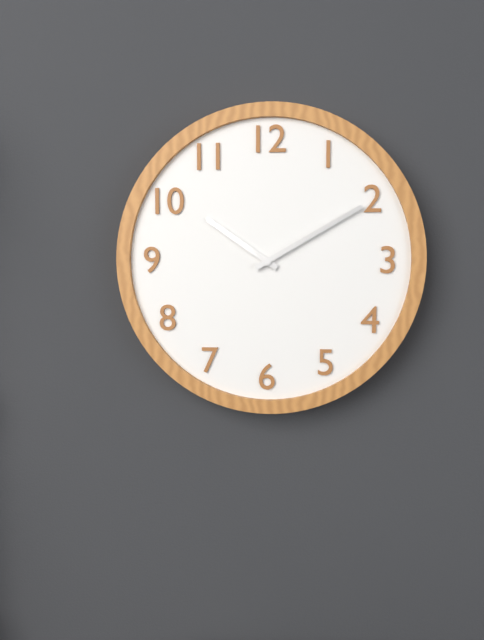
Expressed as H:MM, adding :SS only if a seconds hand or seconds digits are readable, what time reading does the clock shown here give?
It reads 10:10
